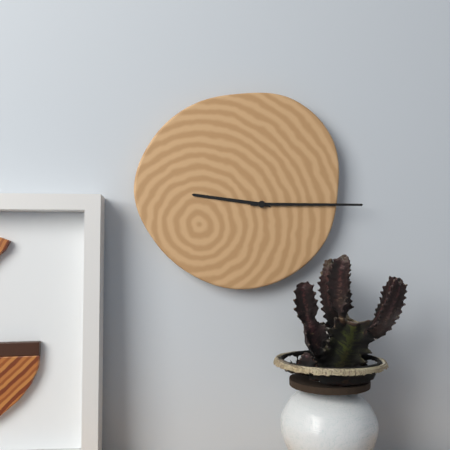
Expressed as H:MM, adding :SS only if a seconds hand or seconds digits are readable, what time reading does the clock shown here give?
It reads 9:15
